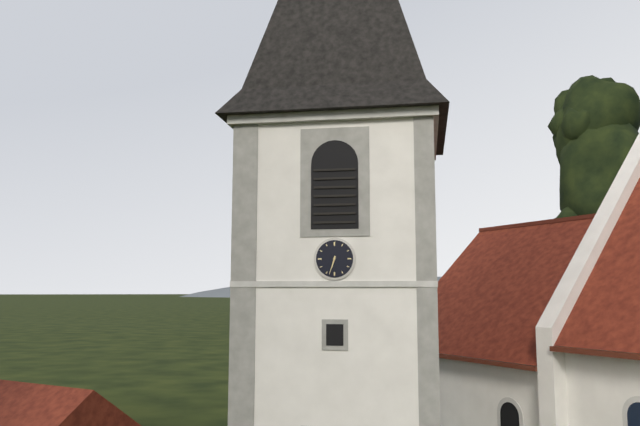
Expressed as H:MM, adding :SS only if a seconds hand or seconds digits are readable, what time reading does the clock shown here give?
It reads 6:33
